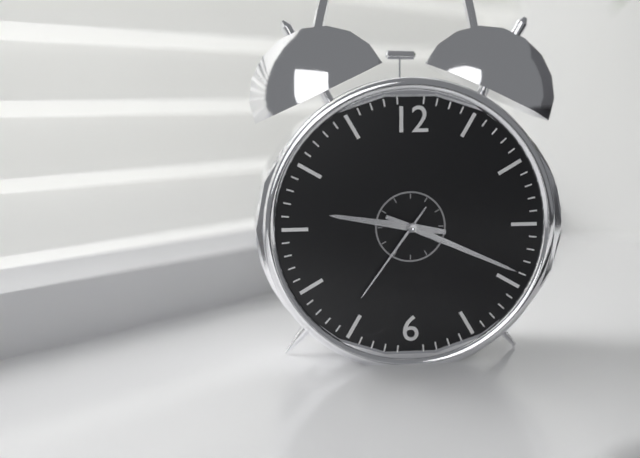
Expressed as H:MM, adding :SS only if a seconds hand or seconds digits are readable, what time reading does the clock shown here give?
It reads 9:19:36
